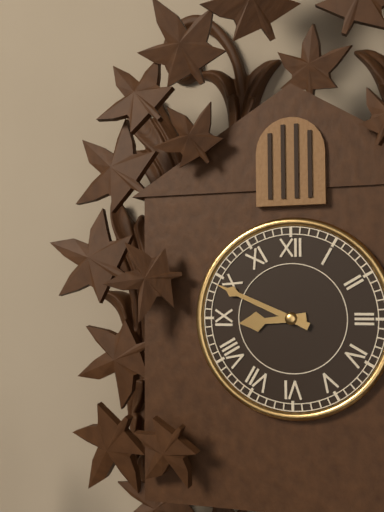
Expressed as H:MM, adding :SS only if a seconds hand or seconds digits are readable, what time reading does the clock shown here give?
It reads 8:49
